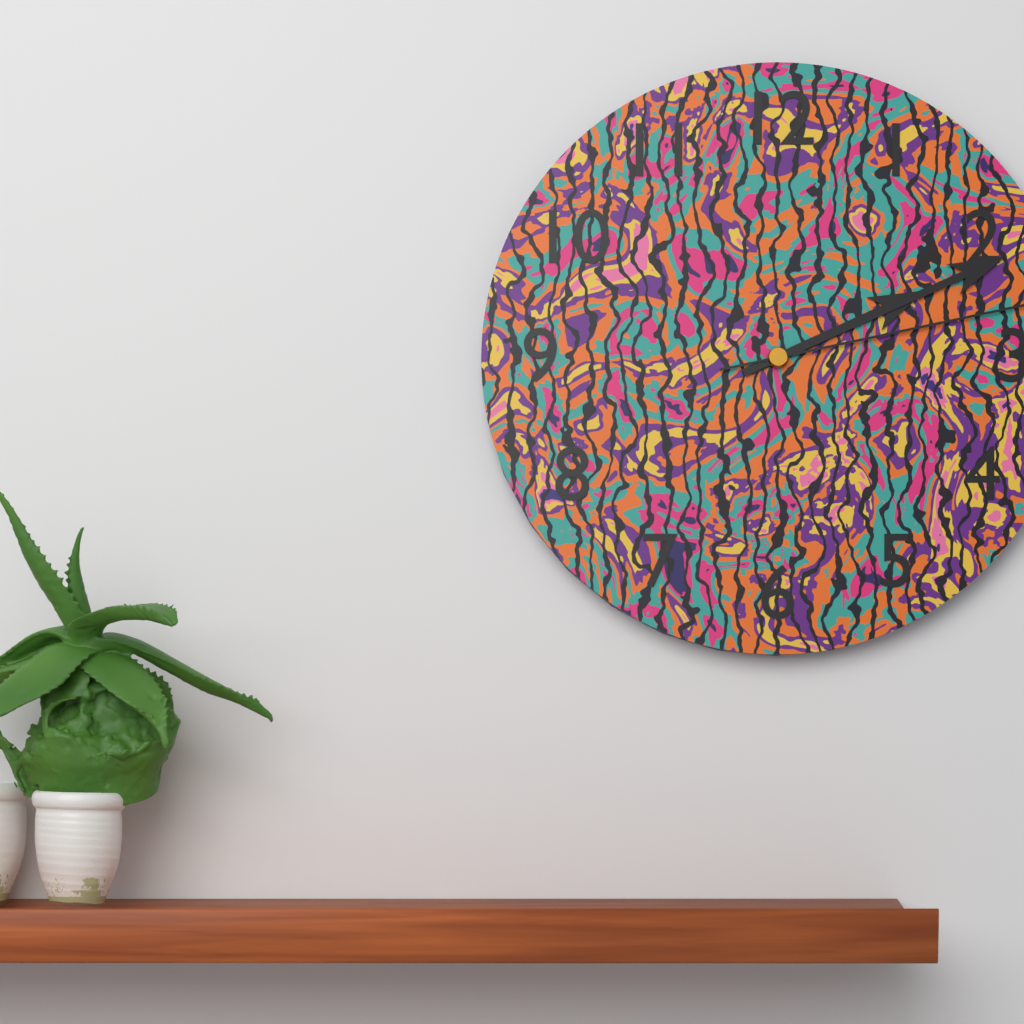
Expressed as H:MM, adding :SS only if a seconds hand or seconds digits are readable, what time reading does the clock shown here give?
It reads 2:11
